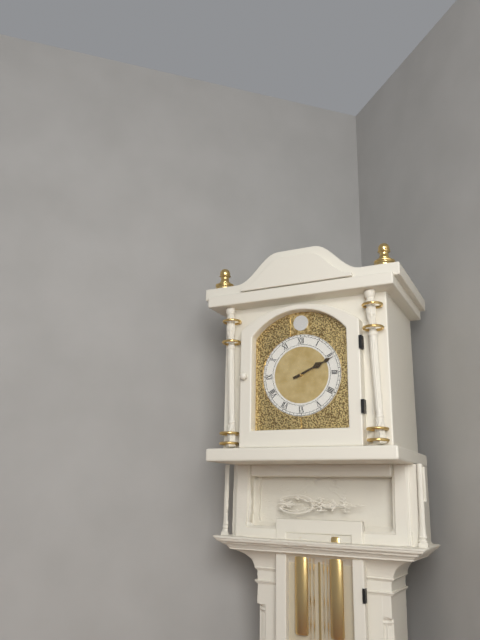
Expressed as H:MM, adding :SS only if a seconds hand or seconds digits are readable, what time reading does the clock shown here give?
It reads 2:11
